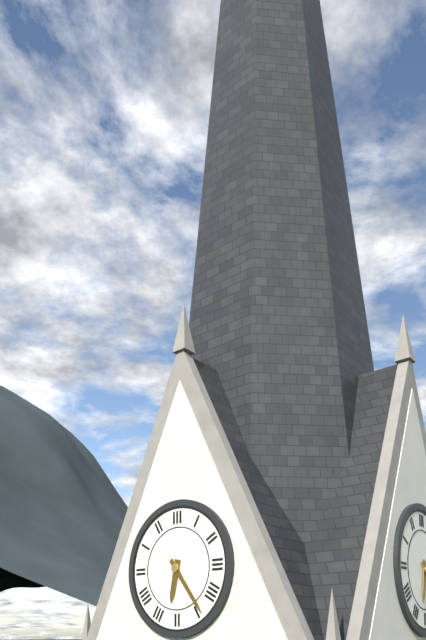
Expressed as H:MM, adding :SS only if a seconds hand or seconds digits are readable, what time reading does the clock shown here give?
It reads 6:24
